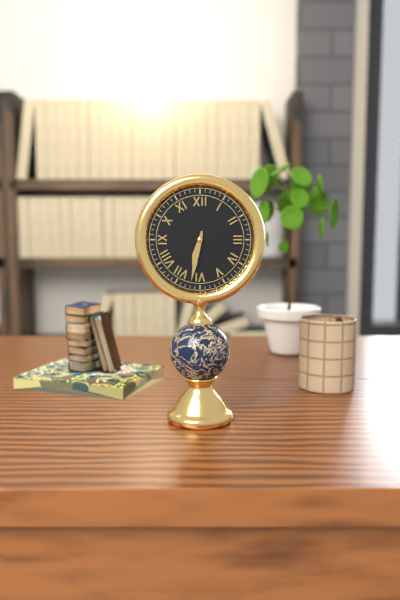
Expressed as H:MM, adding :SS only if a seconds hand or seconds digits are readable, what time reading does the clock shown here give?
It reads 6:32
